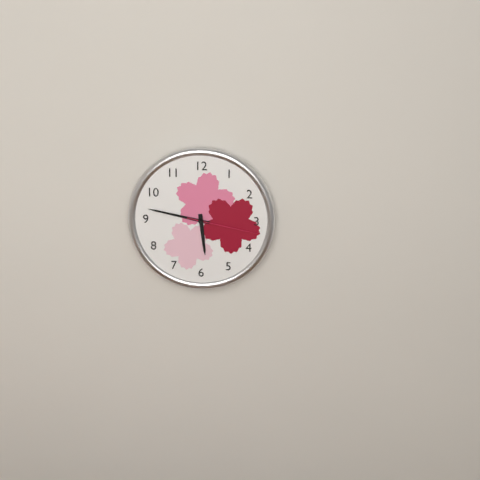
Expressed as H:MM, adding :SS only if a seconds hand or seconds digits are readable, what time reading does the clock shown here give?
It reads 5:47:17
